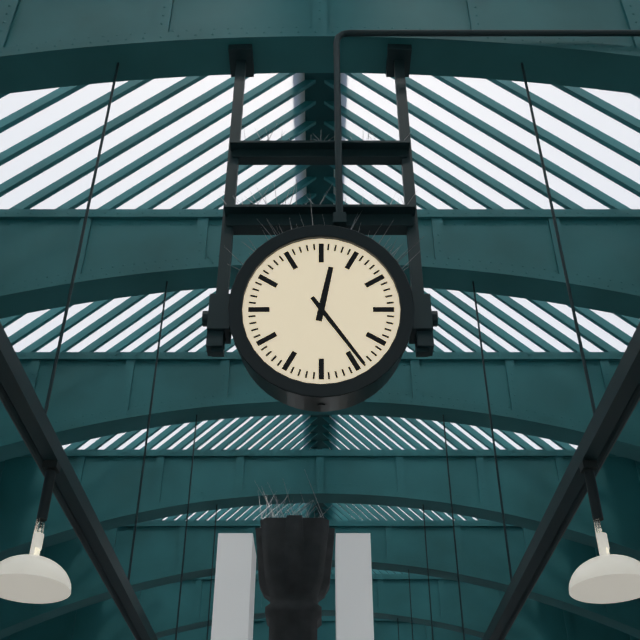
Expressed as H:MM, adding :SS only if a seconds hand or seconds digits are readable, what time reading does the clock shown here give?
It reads 12:24
